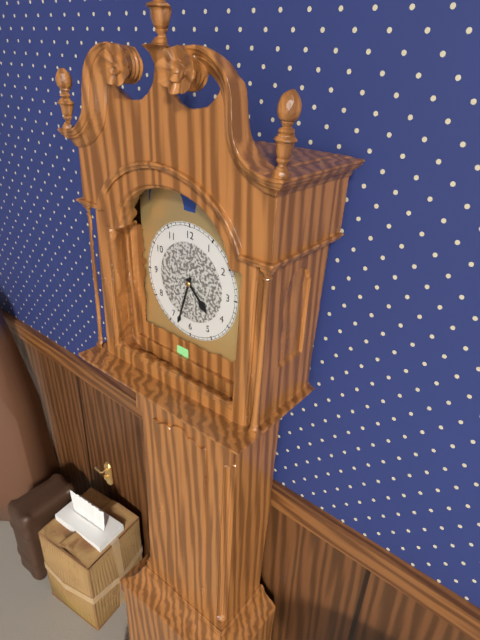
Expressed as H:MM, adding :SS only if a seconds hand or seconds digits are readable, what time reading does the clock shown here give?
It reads 4:33
